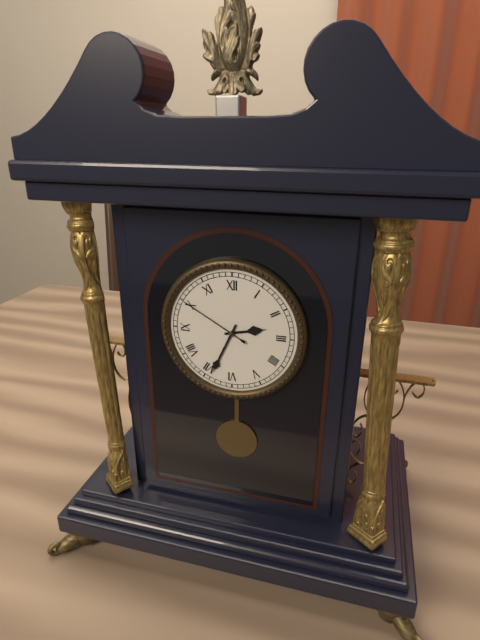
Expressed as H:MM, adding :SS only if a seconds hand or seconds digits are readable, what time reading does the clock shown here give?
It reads 2:34:50
